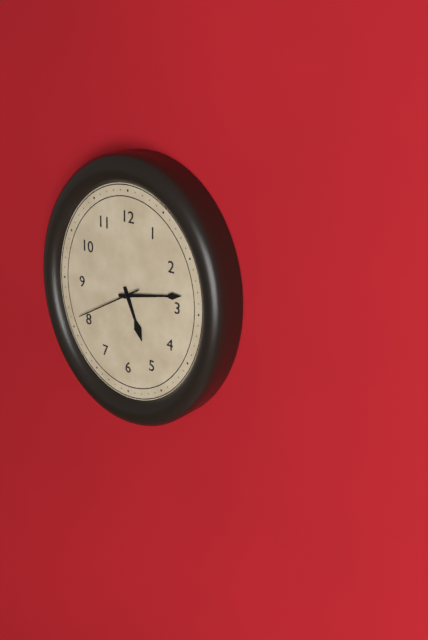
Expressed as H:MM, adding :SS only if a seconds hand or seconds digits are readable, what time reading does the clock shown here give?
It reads 5:13:40
